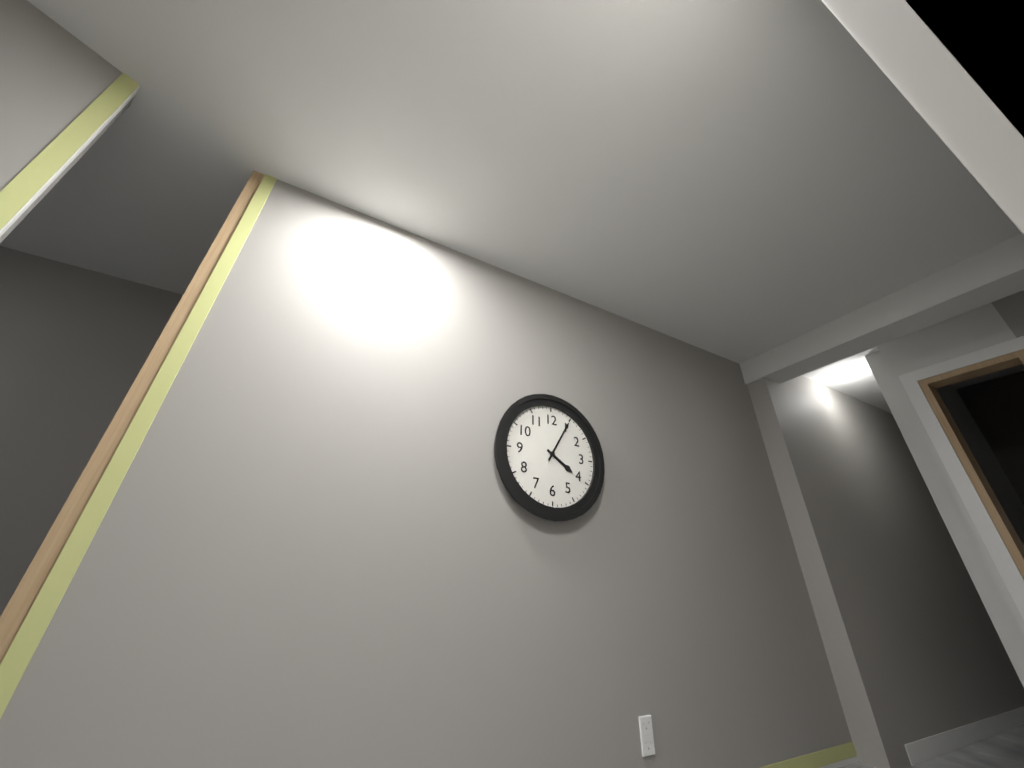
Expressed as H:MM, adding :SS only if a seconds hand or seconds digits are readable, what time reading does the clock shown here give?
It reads 4:05
